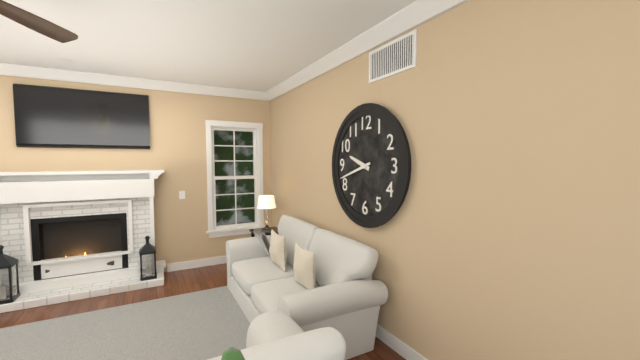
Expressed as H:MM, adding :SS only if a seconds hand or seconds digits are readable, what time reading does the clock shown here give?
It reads 9:42
